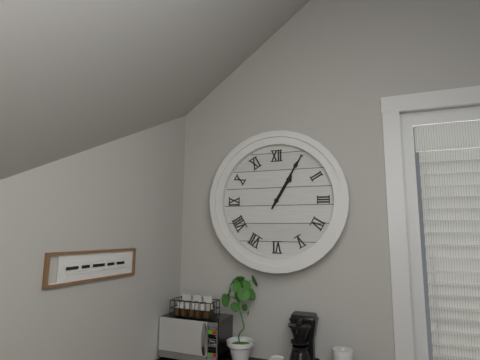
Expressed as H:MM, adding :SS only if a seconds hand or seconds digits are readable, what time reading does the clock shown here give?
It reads 1:05
